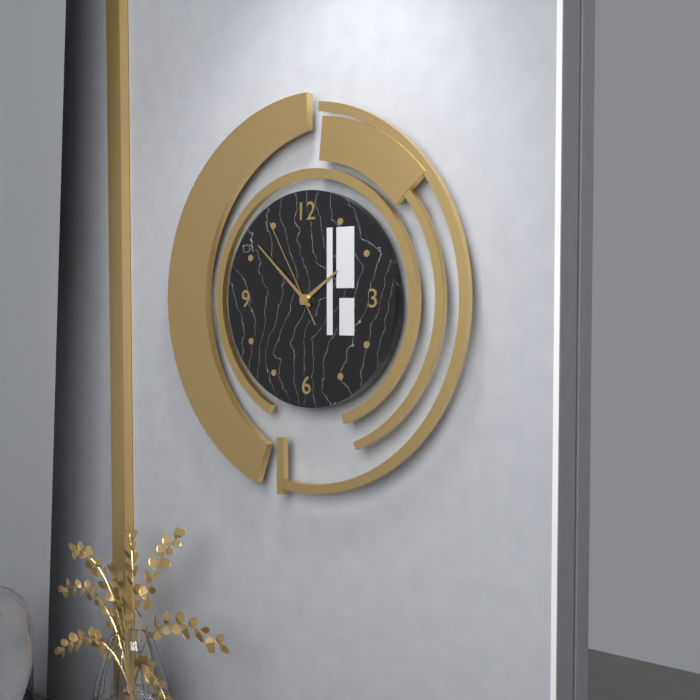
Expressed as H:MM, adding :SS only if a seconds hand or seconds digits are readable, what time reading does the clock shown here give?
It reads 1:52:55
